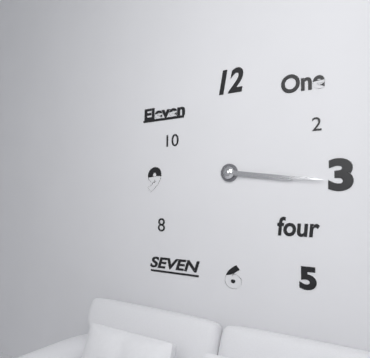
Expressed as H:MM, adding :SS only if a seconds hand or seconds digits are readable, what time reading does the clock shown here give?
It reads 3:16
